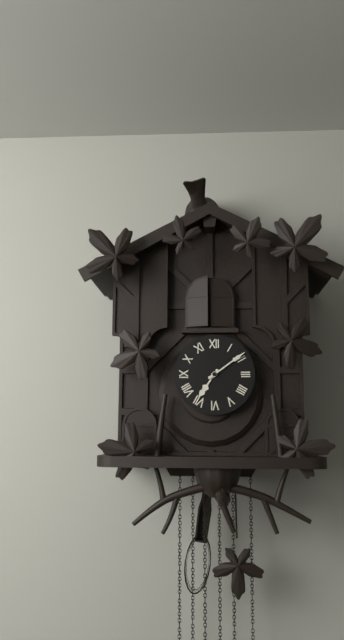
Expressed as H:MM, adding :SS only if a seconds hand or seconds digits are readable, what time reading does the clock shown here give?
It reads 7:09
